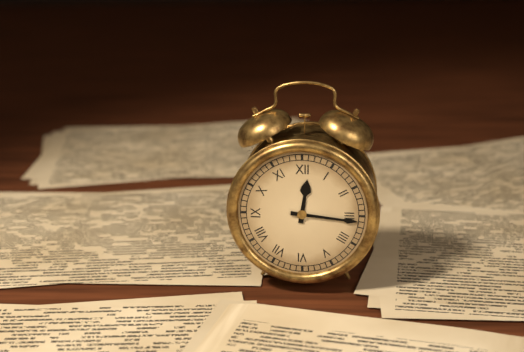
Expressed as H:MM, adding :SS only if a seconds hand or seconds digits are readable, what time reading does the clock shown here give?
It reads 12:16
